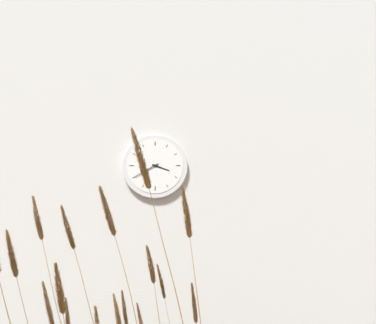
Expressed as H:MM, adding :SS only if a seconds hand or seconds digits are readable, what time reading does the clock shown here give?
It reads 3:40
